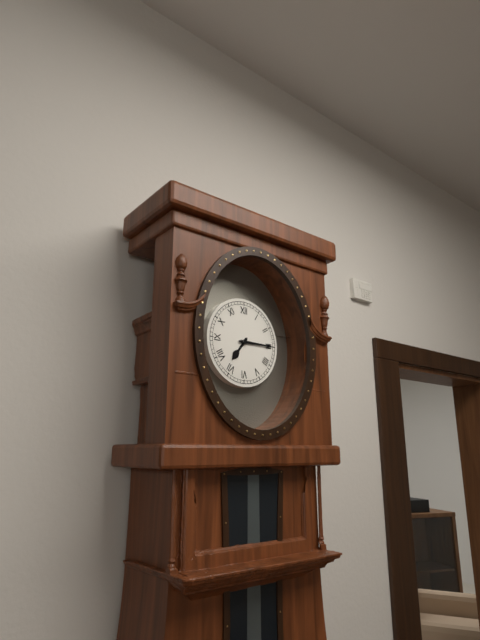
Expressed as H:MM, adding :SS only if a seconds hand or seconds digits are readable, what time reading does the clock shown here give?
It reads 7:15
